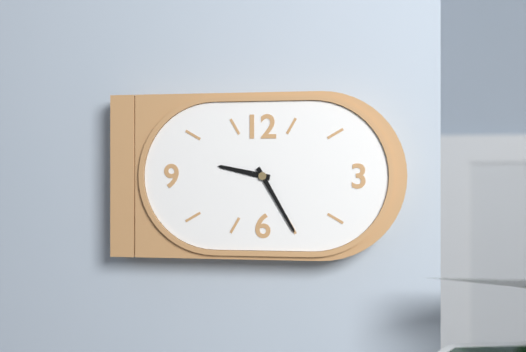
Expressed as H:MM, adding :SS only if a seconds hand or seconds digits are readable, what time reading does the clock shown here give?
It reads 9:25
